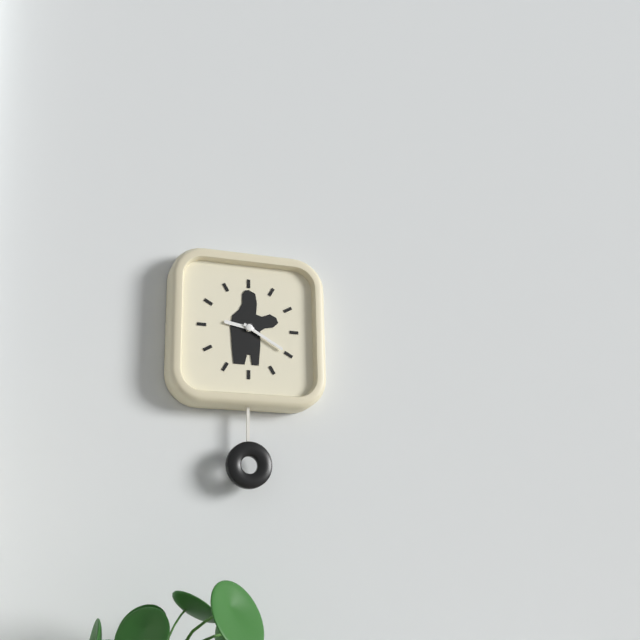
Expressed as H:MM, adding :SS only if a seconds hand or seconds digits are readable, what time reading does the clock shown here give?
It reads 9:20
